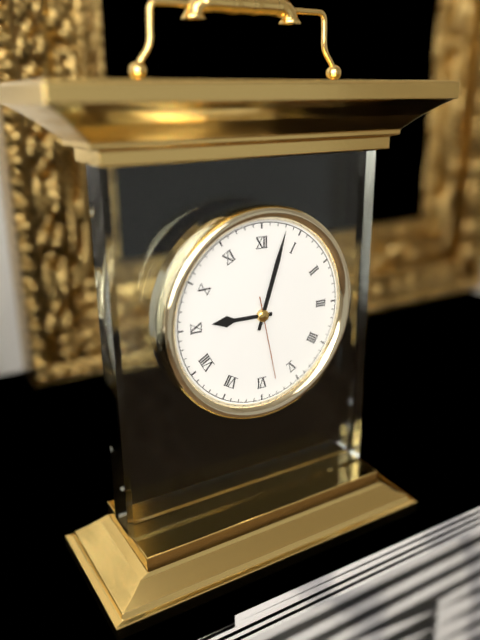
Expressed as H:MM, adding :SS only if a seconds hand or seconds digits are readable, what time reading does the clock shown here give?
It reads 9:03:28
